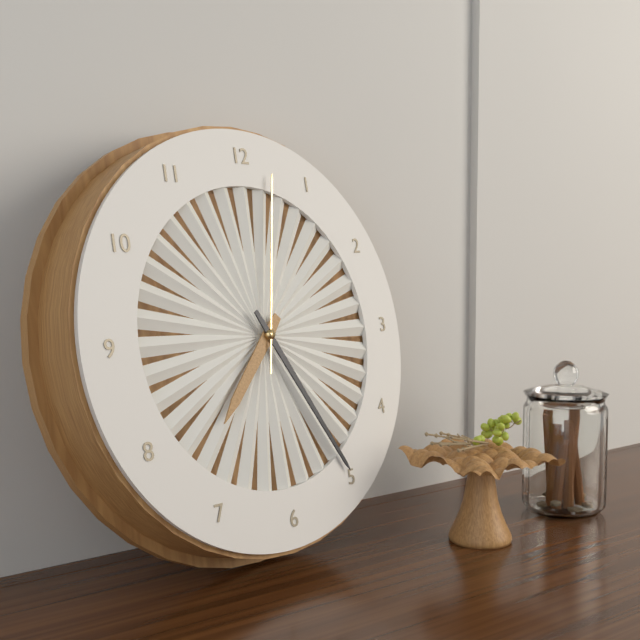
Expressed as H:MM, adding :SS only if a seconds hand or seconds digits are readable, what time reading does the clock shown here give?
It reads 7:25:02
